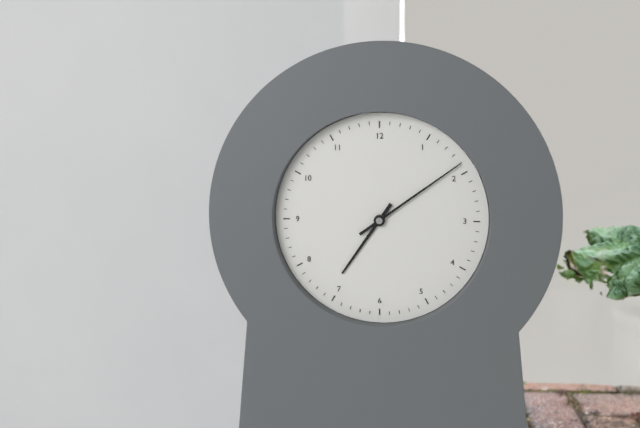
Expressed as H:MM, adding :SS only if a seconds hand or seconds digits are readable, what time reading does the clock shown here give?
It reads 7:09
